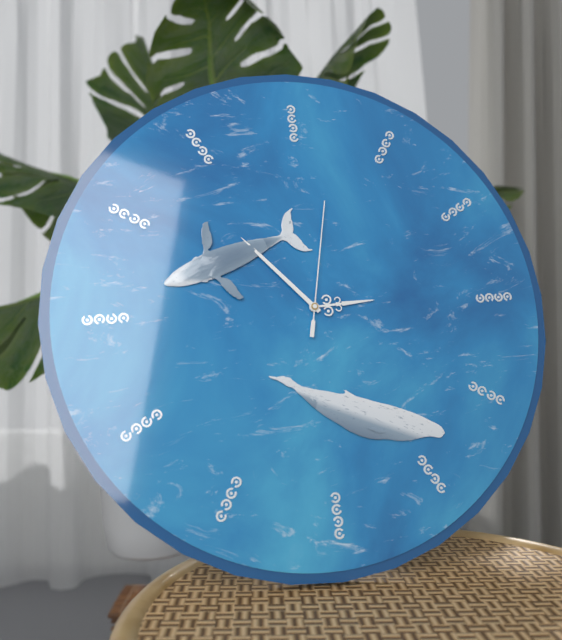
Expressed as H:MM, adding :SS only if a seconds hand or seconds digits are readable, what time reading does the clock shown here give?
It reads 2:53:02
